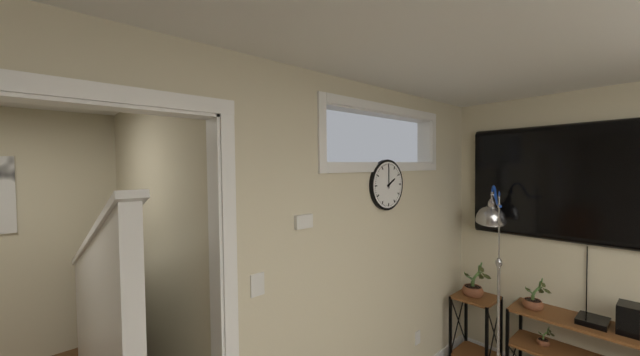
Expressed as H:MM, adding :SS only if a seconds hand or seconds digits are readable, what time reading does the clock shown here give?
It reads 2:00
